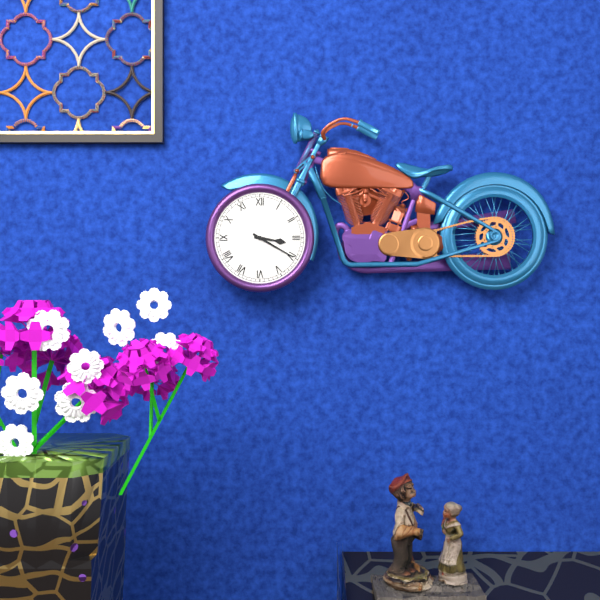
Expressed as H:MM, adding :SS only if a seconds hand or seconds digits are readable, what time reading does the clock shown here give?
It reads 3:20
